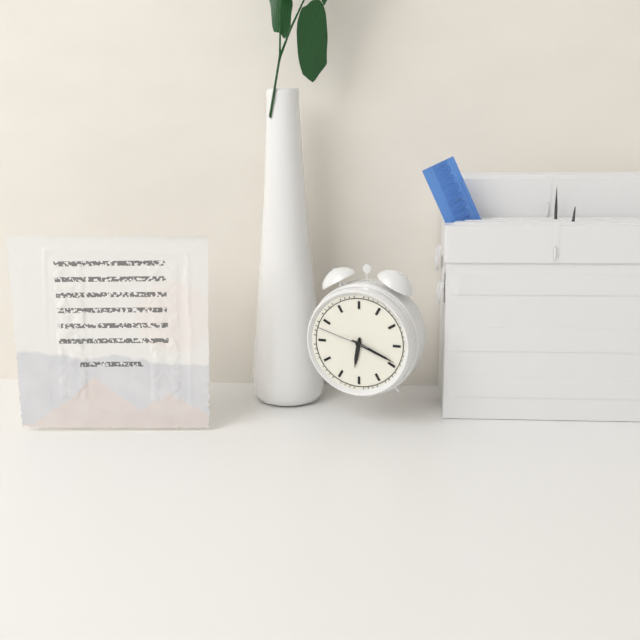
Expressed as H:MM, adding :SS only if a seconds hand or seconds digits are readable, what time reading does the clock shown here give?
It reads 6:19:48
